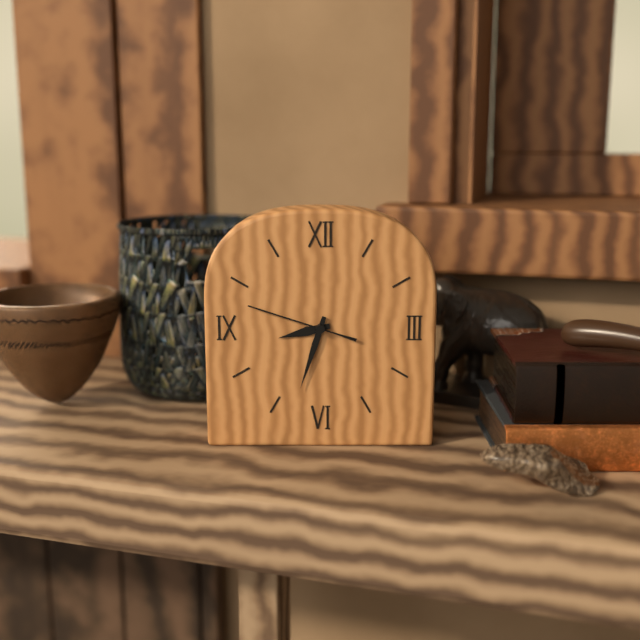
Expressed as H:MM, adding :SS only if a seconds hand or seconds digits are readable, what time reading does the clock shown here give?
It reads 8:33:48
